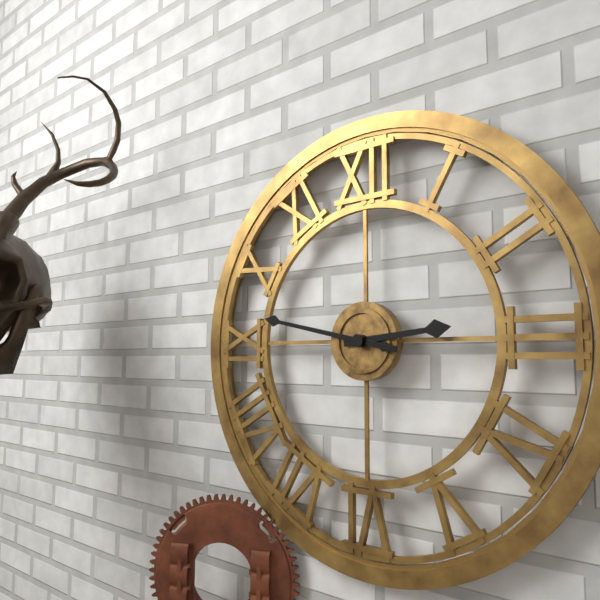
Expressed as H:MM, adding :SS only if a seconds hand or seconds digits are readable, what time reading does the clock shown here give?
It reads 2:47
